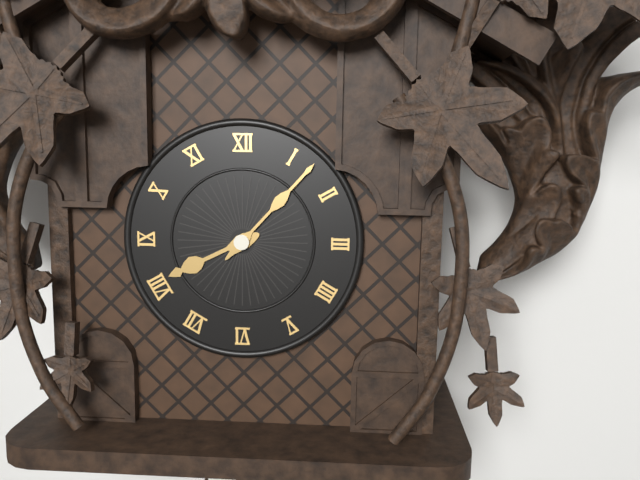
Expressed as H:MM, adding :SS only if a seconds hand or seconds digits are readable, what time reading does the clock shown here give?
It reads 8:07
